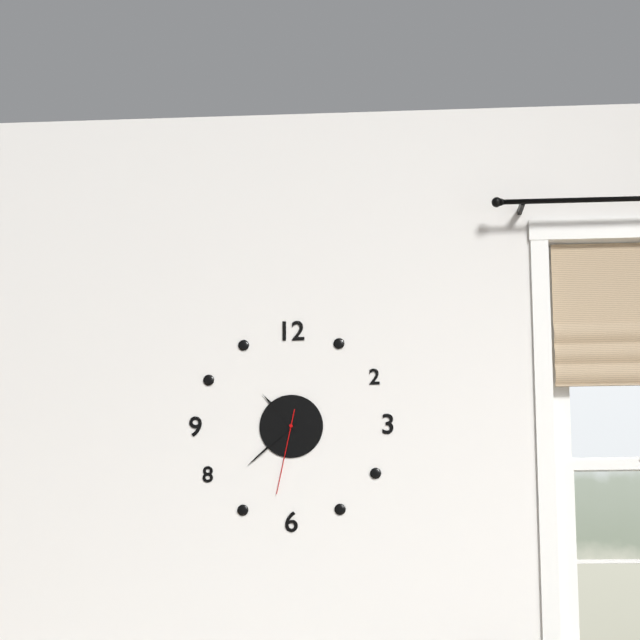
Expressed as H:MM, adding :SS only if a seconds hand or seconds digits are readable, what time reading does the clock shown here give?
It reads 10:38:32
